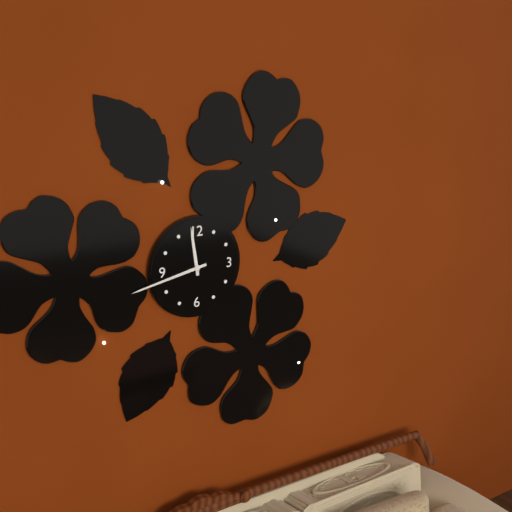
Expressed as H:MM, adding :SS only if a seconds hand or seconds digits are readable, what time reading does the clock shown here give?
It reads 11:43
